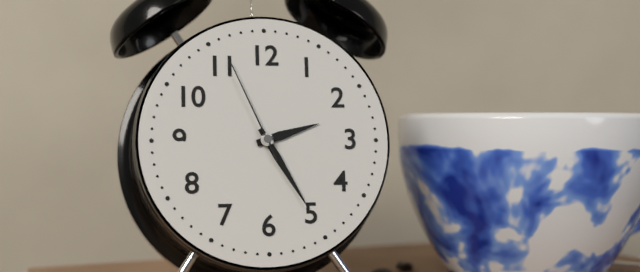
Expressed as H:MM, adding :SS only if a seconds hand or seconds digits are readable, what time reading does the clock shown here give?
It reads 2:25:56
